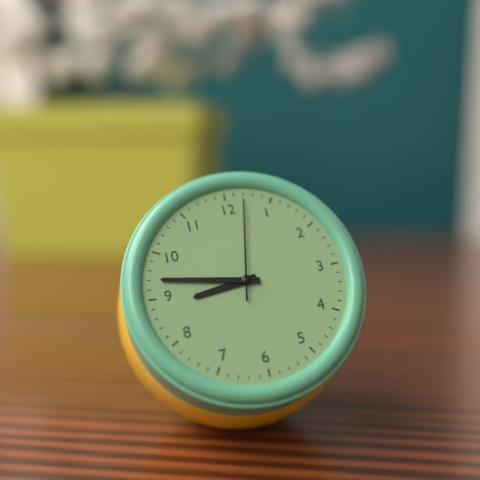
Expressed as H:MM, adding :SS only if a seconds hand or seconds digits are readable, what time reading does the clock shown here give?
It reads 8:47:02
